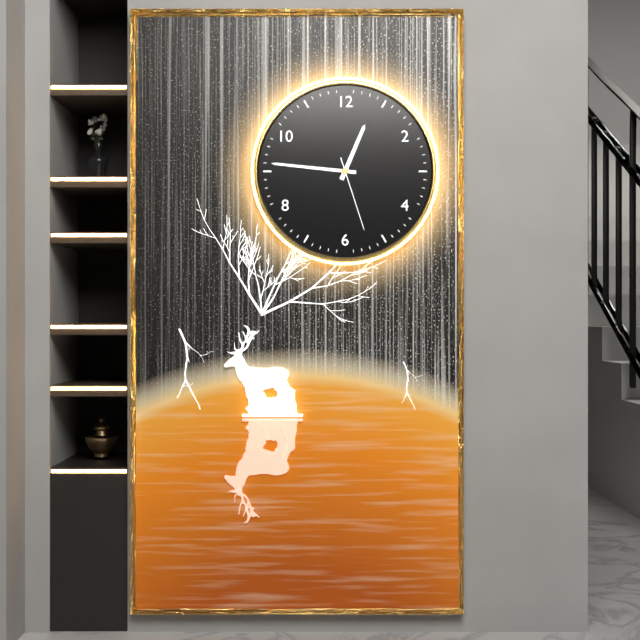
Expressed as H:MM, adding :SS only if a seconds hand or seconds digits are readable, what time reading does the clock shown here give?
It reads 12:46:27
